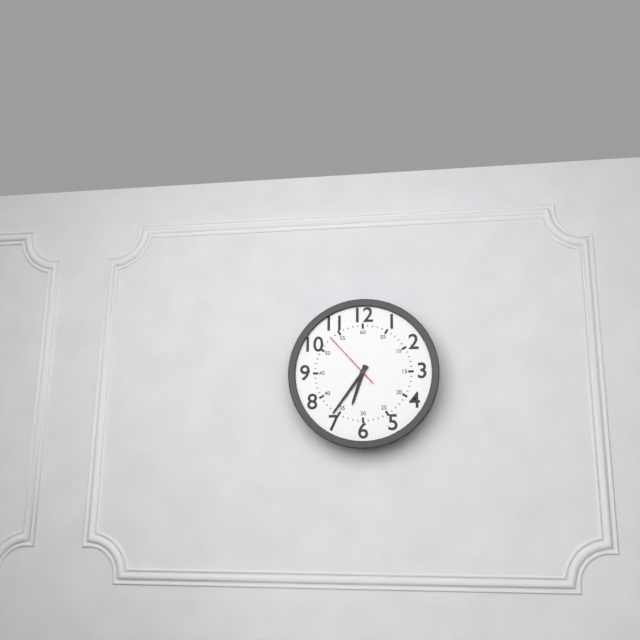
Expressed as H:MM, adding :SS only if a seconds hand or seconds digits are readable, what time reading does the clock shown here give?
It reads 6:36:53
